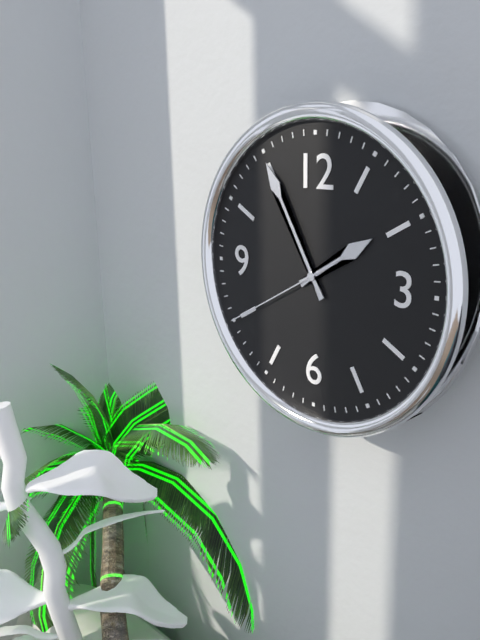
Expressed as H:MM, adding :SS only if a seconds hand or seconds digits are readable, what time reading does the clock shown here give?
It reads 1:55:40
